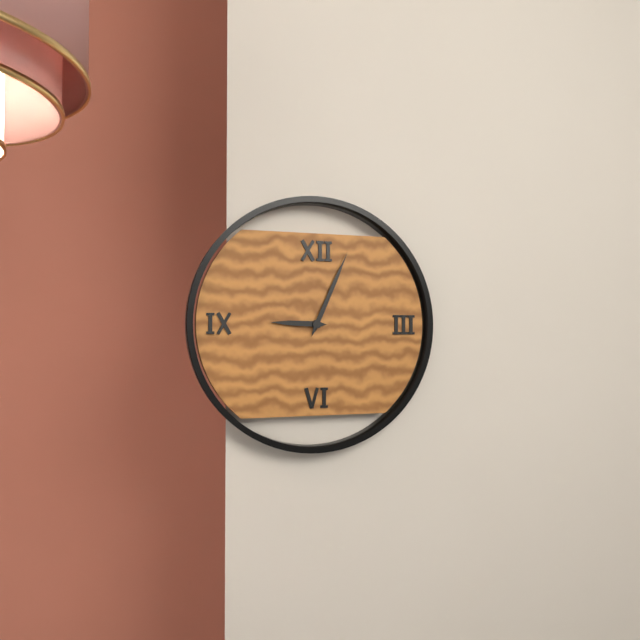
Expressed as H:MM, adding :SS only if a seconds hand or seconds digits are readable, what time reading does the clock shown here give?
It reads 9:04
